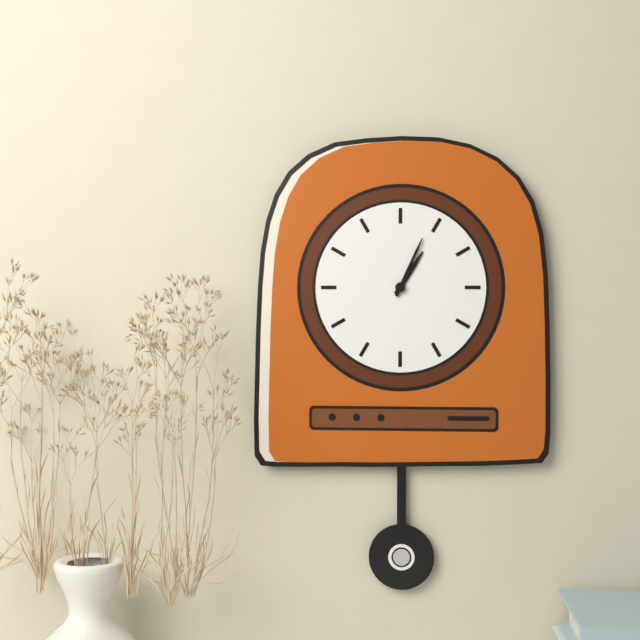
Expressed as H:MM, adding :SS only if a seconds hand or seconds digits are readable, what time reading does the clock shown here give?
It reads 1:04
